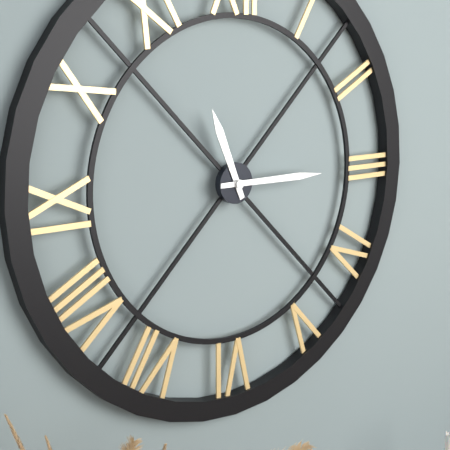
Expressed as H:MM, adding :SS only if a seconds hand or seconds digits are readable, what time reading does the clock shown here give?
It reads 11:15
